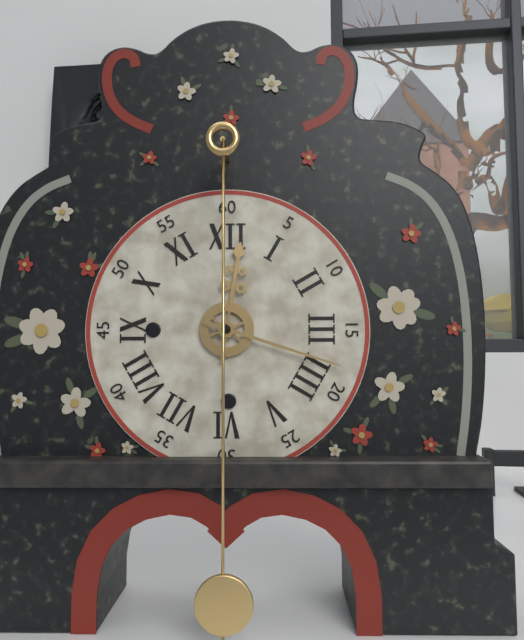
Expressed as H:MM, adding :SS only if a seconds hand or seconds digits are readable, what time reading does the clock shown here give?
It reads 12:18
